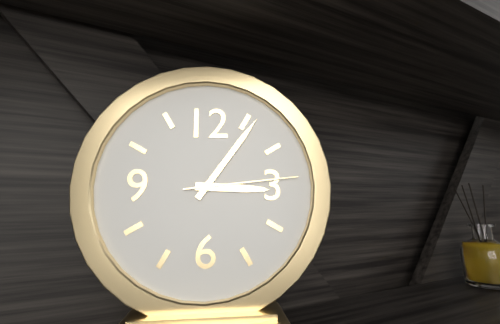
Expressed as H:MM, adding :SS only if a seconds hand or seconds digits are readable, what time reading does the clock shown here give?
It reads 3:06:14
